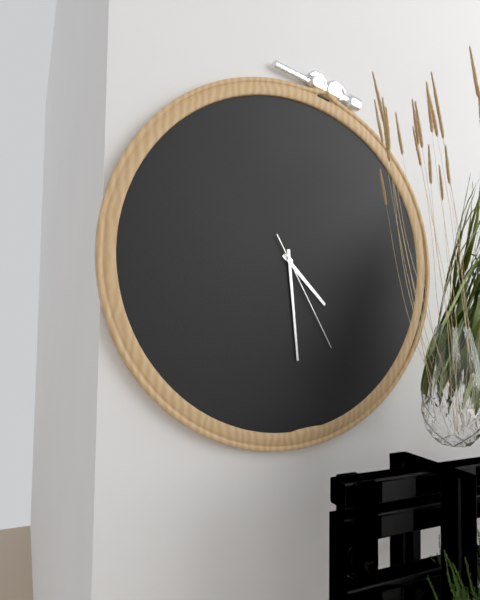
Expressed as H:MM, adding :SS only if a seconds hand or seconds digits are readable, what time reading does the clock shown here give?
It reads 4:29:25
